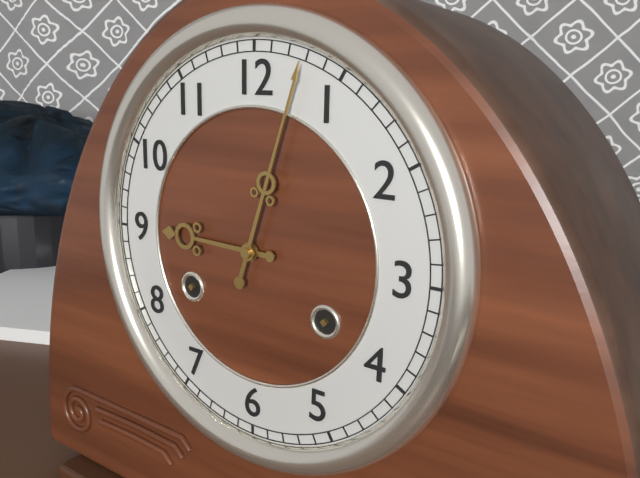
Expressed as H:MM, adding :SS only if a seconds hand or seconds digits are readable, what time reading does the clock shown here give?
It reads 9:03
